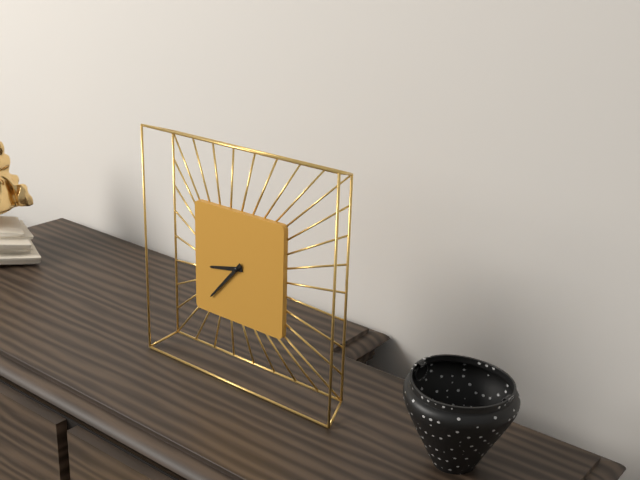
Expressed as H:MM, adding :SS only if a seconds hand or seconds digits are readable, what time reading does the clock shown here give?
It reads 8:37
